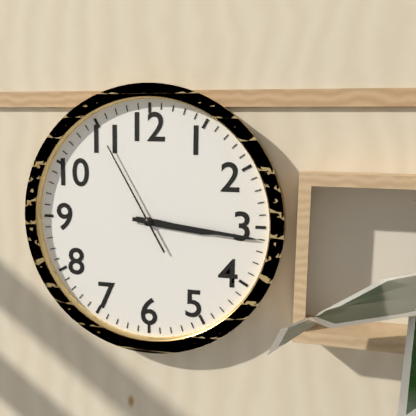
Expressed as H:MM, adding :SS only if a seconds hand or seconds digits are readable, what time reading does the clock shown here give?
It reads 3:16:55
